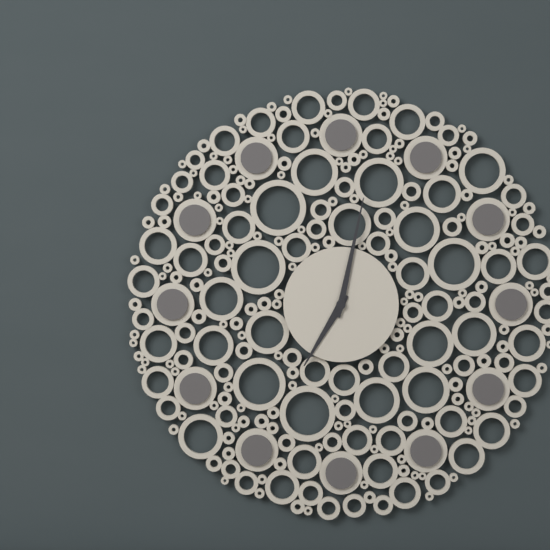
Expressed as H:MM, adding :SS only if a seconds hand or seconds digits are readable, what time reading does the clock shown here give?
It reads 7:02
